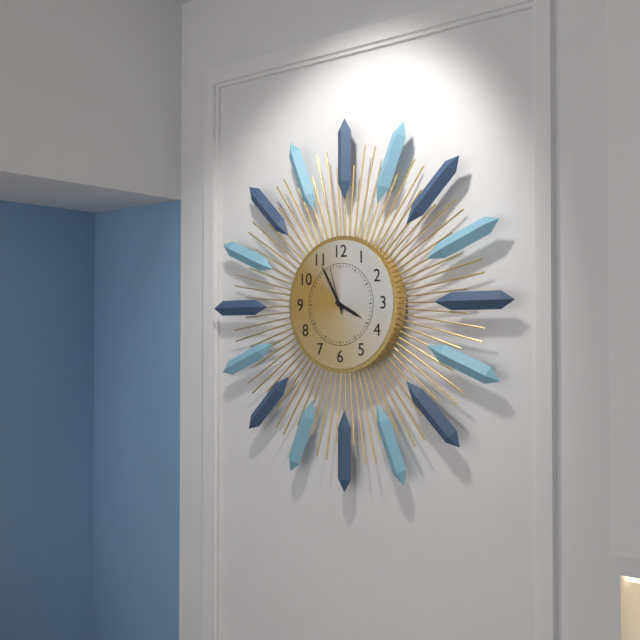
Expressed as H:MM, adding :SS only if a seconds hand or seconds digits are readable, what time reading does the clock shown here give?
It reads 3:55
